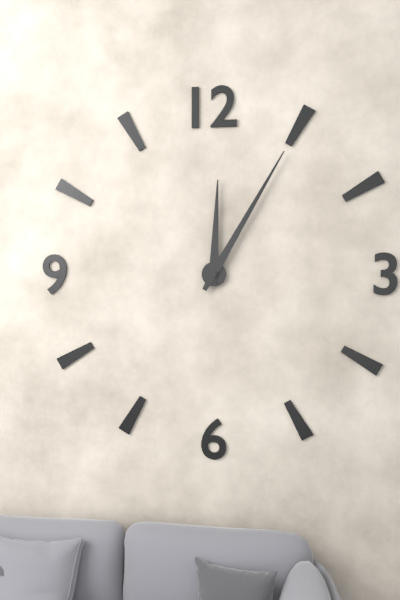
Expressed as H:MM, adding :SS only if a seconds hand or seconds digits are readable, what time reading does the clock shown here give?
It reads 12:05
